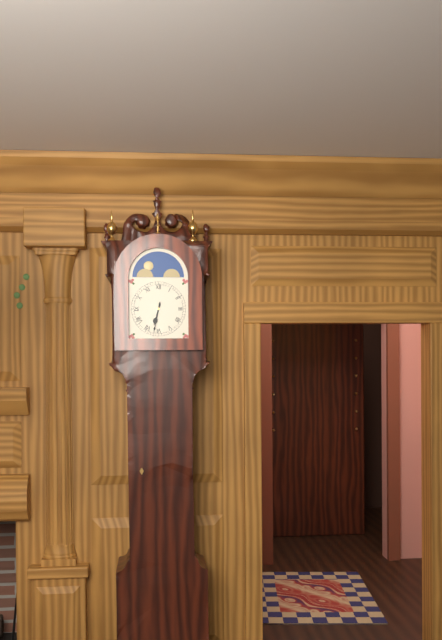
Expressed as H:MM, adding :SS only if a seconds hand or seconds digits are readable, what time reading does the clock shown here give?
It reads 6:32
